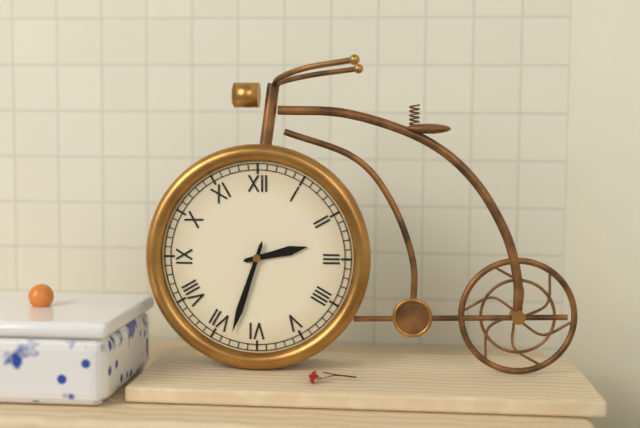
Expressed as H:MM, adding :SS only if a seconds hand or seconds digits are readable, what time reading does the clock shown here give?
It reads 2:33
